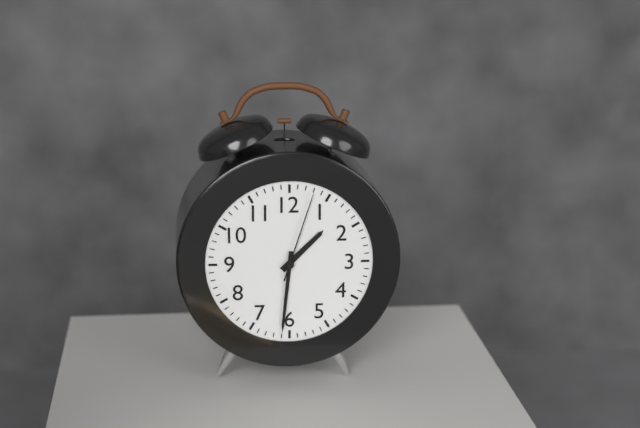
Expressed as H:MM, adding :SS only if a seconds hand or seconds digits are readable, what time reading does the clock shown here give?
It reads 1:31:03
